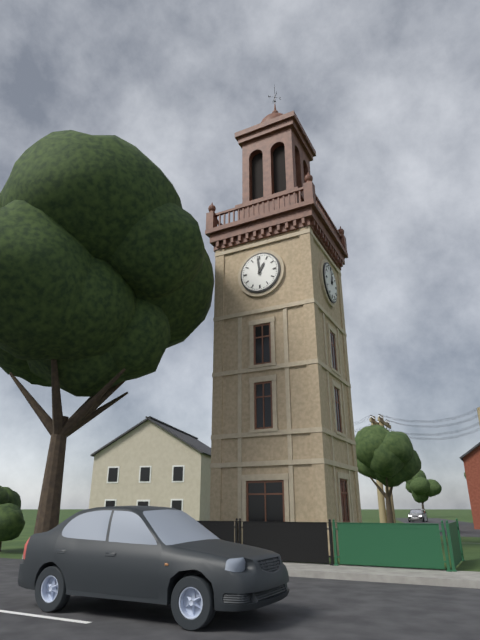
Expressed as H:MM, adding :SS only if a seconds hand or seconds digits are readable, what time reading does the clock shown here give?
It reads 12:59
